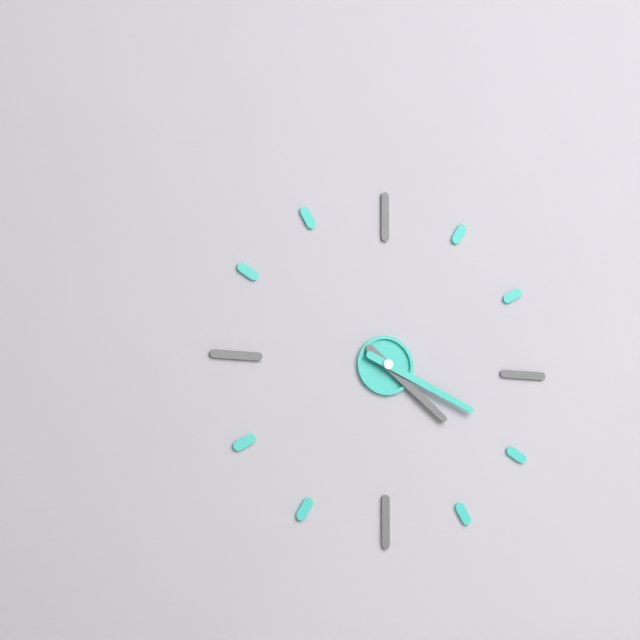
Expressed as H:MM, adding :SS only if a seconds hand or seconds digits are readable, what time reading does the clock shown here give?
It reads 4:19
